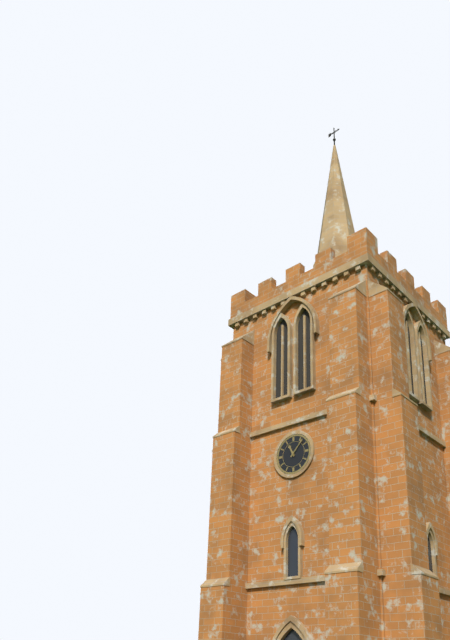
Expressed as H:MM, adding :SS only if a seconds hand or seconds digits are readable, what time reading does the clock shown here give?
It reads 11:07
